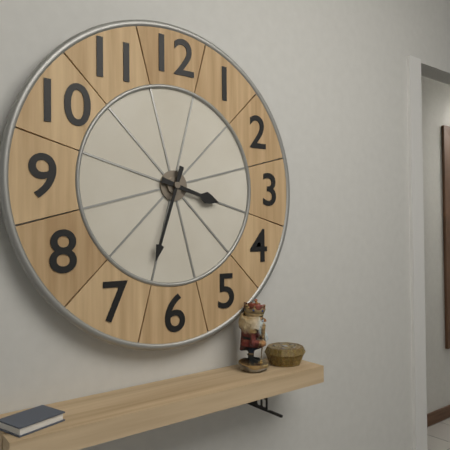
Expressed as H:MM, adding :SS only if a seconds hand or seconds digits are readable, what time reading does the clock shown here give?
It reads 3:33
